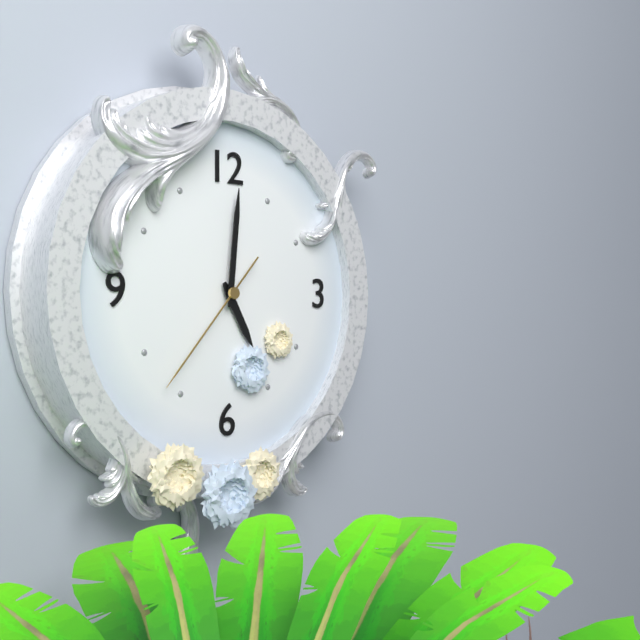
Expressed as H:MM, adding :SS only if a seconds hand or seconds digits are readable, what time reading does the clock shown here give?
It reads 5:01:37
